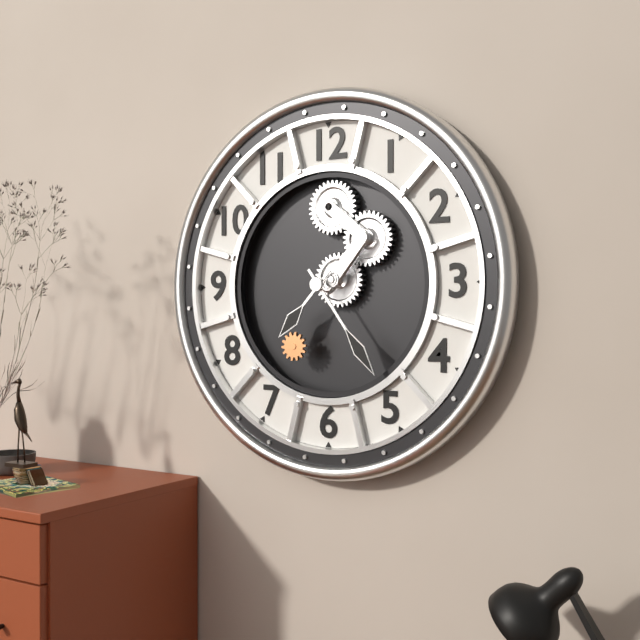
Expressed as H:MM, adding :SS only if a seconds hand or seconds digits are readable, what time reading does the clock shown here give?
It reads 7:24
